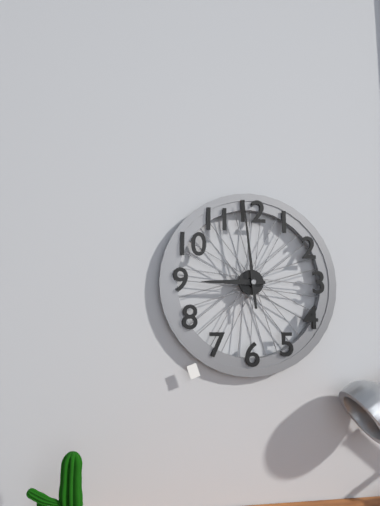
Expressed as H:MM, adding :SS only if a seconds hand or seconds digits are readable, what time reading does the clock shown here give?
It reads 8:59
